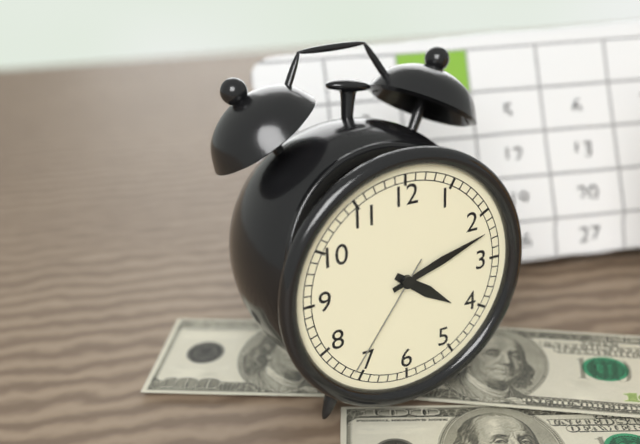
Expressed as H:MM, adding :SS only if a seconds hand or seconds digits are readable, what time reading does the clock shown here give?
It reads 4:12:36
